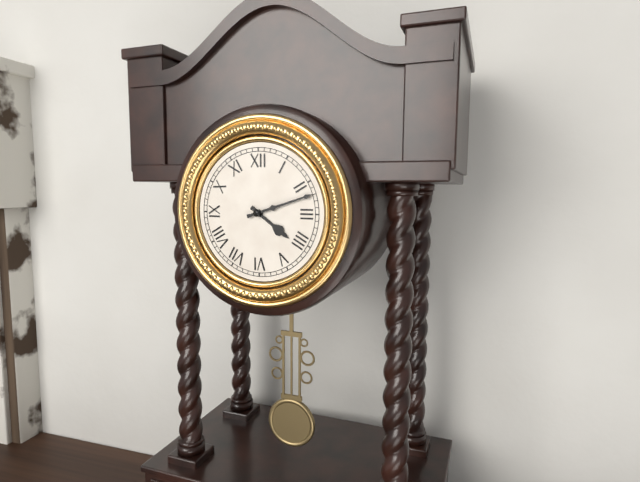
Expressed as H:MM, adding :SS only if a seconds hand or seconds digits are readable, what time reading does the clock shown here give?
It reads 4:12
